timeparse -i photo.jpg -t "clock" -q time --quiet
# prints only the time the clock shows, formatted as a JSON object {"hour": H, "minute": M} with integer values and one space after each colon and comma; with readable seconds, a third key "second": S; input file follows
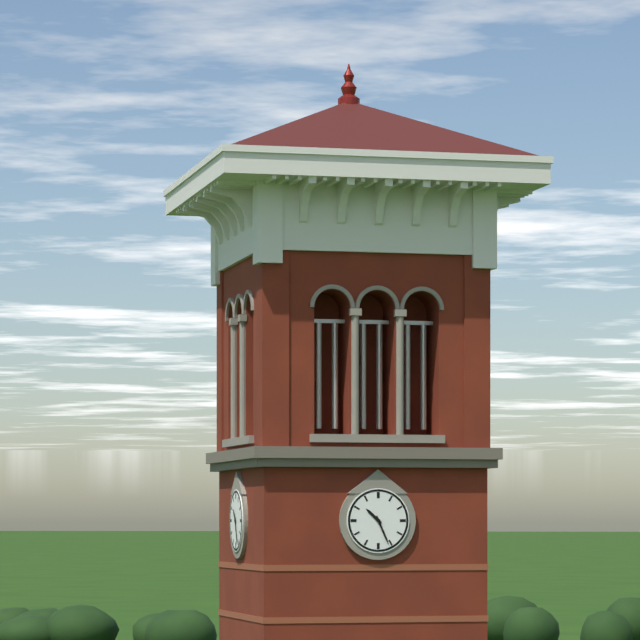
{"hour": 10, "minute": 26}
